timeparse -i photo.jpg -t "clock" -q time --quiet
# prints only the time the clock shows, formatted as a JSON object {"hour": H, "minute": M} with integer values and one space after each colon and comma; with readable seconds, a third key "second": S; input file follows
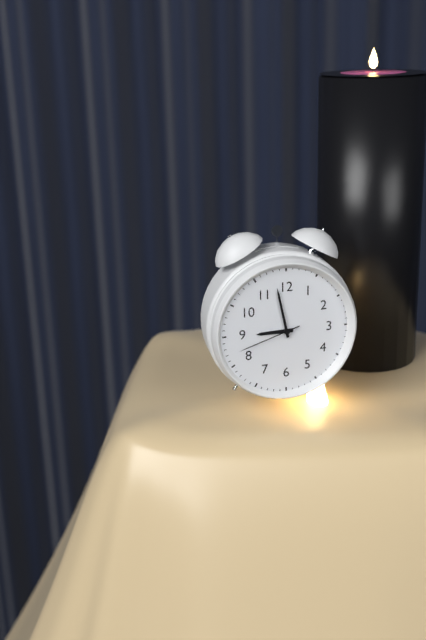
{"hour": 8, "minute": 58, "second": 42}
